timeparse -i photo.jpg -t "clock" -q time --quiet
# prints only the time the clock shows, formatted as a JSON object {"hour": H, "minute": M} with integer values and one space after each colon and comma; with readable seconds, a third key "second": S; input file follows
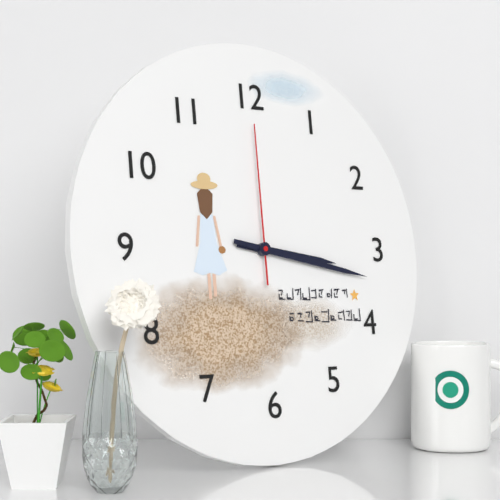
{"hour": 3, "minute": 17, "second": 0}
